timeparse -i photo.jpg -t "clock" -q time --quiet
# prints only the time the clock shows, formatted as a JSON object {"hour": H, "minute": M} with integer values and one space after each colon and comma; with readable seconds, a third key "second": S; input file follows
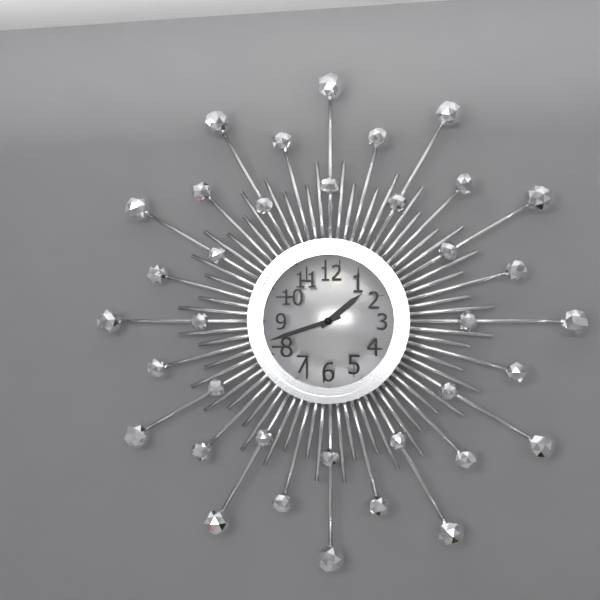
{"hour": 1, "minute": 42}
